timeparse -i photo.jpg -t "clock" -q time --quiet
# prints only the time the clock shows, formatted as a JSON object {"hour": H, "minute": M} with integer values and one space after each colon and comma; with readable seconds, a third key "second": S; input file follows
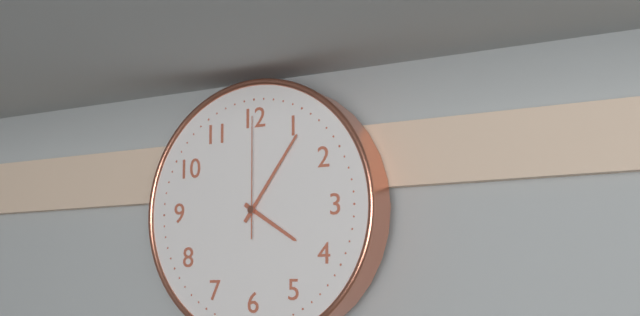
{"hour": 4, "minute": 6, "second": 0}
